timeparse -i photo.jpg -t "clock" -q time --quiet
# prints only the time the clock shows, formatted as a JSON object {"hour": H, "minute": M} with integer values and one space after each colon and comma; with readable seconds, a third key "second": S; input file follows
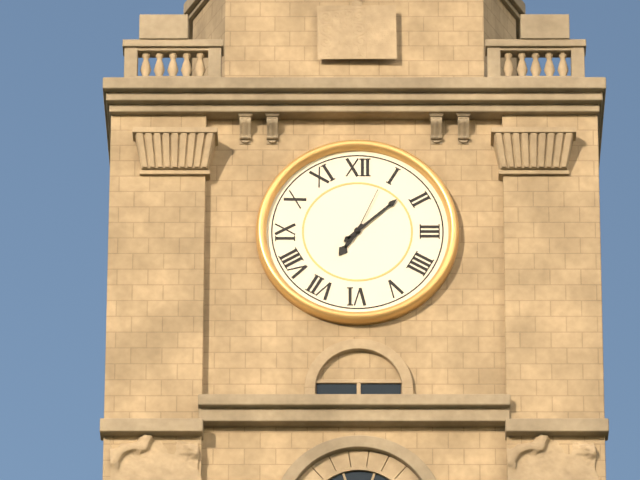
{"hour": 7, "minute": 8, "second": 4}
